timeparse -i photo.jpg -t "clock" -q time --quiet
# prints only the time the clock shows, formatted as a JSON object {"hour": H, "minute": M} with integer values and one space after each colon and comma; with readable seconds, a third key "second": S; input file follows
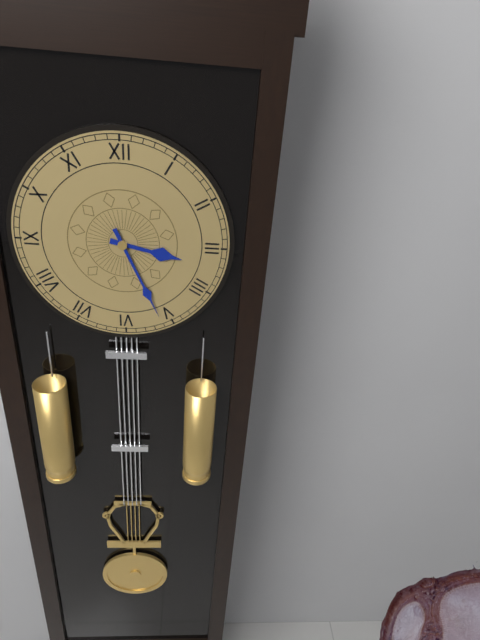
{"hour": 3, "minute": 26}
